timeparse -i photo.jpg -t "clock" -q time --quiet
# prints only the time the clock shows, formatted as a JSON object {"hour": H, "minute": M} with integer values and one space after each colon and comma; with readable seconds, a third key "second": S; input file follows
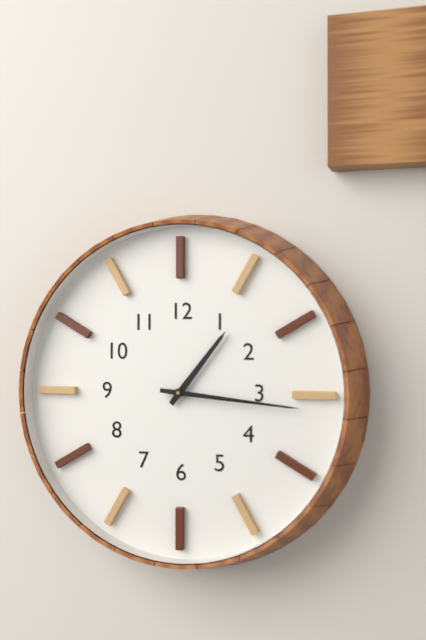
{"hour": 1, "minute": 16}
